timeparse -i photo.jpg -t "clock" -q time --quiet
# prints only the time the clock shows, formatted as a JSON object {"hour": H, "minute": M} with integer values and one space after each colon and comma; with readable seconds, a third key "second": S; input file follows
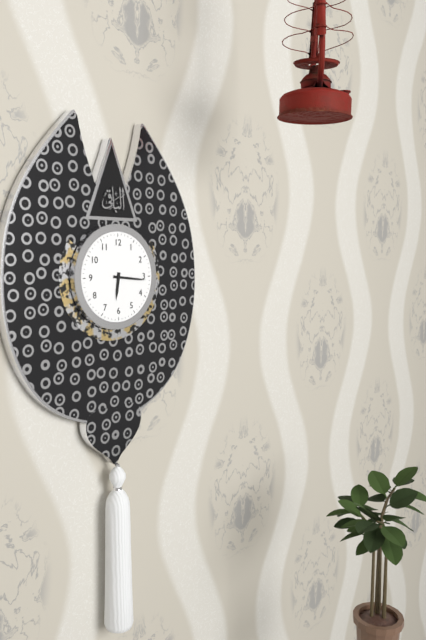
{"hour": 6, "minute": 16}
